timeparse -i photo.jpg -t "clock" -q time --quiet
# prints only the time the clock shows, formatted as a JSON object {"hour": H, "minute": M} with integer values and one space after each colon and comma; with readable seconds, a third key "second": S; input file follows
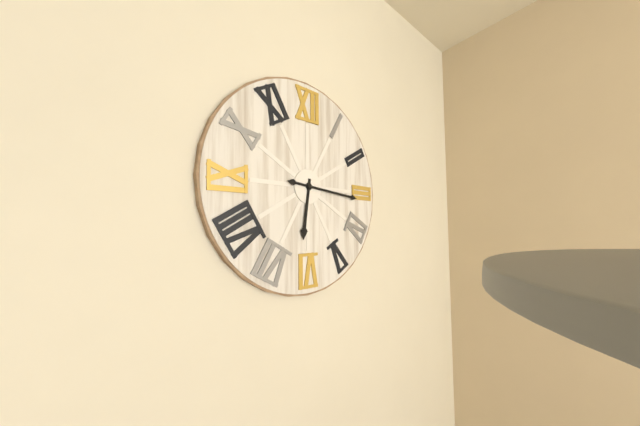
{"hour": 6, "minute": 16}
